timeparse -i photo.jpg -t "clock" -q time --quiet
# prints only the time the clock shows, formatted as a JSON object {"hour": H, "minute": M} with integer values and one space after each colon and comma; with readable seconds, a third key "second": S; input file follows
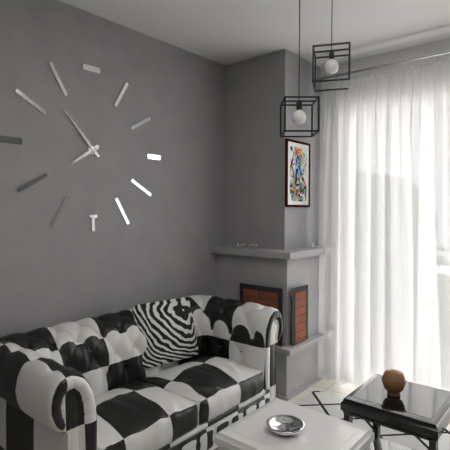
{"hour": 7, "minute": 53}
